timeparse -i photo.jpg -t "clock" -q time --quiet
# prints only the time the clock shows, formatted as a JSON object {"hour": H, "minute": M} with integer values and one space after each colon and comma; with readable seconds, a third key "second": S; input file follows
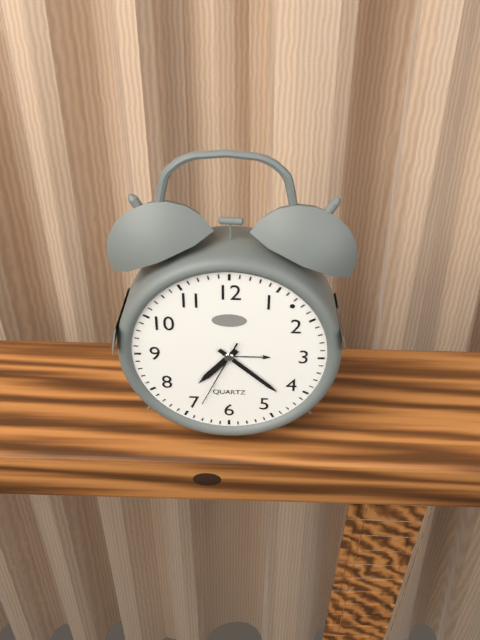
{"hour": 7, "minute": 22, "second": 34}
